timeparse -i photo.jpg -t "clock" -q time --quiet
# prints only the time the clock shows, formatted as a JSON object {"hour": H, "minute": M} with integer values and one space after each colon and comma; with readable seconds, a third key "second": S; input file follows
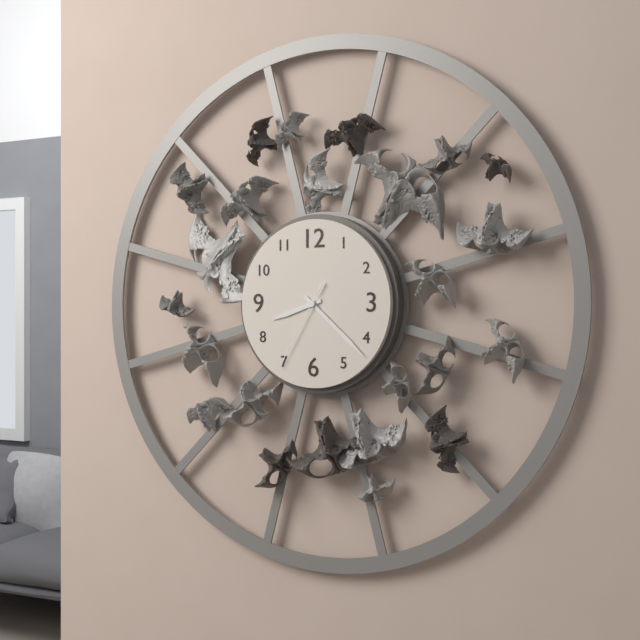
{"hour": 8, "minute": 22, "second": 35}
